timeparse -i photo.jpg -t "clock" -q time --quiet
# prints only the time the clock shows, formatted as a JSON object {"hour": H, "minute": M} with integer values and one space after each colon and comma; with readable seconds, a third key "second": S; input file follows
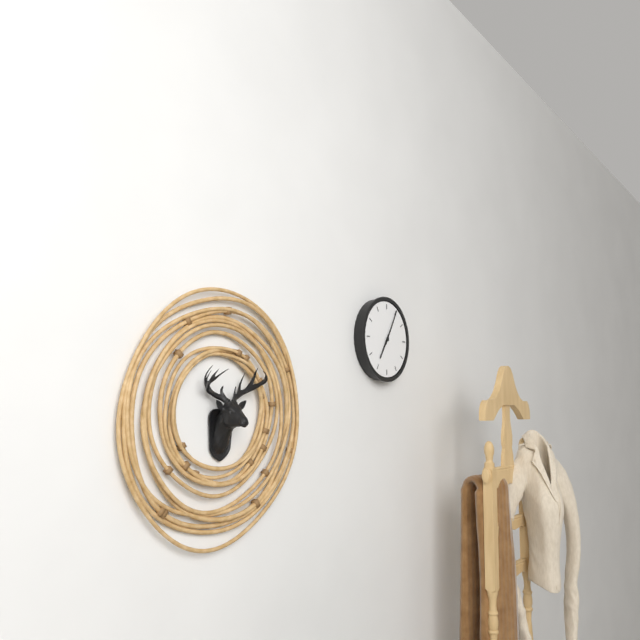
{"hour": 7, "minute": 5}
